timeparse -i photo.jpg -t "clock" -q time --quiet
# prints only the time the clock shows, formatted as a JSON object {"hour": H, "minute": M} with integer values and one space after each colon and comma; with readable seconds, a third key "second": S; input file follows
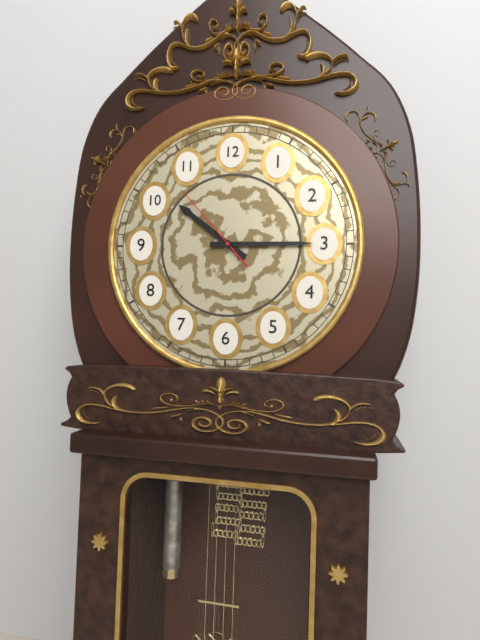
{"hour": 10, "minute": 15, "second": 53}
